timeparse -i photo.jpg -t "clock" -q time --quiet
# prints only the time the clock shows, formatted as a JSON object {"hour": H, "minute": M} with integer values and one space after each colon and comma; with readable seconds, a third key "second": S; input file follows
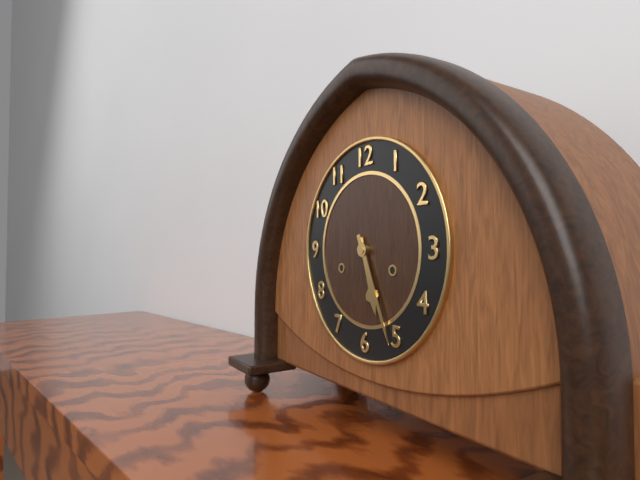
{"hour": 5, "minute": 26}
